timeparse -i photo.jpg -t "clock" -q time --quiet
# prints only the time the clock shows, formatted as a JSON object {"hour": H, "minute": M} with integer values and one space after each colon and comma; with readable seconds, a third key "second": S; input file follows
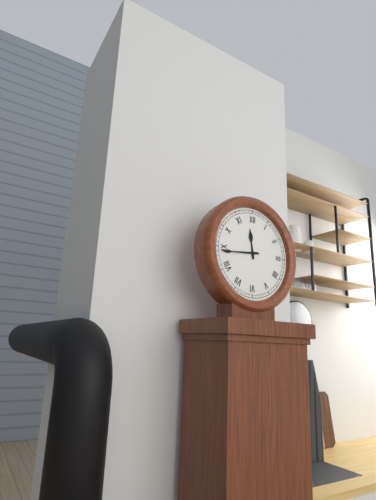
{"hour": 11, "minute": 44}
